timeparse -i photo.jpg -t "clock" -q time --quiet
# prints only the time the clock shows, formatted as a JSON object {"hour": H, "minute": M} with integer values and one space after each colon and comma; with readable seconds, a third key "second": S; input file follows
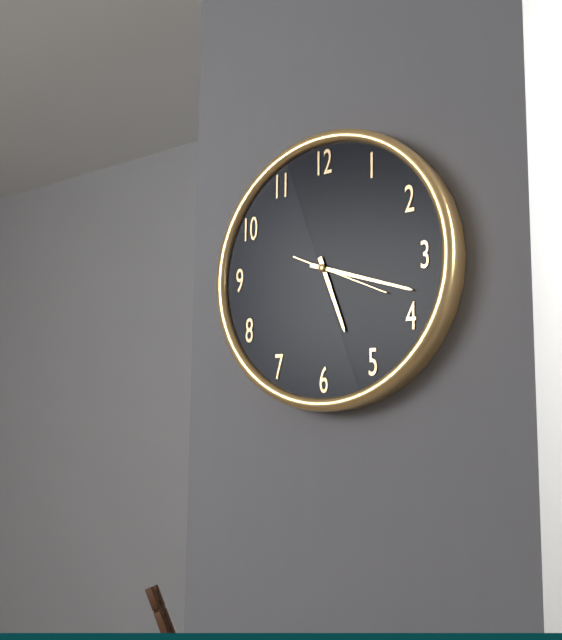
{"hour": 5, "minute": 18, "second": 19}
